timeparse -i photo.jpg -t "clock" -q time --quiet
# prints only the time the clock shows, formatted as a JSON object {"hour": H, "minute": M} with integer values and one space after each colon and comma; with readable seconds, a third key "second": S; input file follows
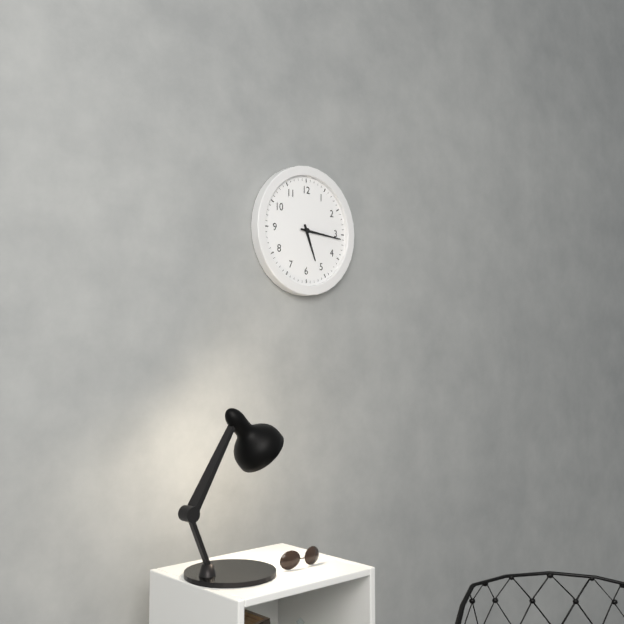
{"hour": 5, "minute": 16}
